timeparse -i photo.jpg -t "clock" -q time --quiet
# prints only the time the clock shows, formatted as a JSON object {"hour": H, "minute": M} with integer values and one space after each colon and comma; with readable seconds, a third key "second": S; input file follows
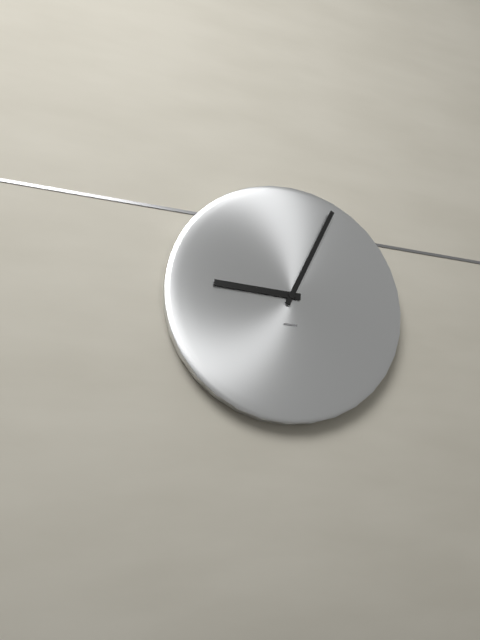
{"hour": 9, "minute": 4}
